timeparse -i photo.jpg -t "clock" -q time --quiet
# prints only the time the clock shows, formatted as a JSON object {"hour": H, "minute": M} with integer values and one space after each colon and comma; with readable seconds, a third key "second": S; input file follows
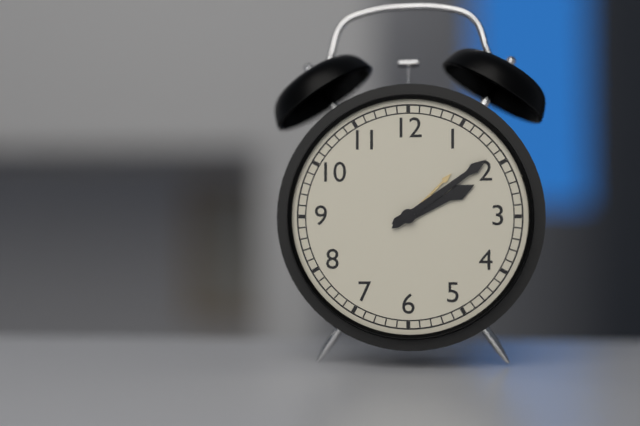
{"hour": 2, "minute": 9}
